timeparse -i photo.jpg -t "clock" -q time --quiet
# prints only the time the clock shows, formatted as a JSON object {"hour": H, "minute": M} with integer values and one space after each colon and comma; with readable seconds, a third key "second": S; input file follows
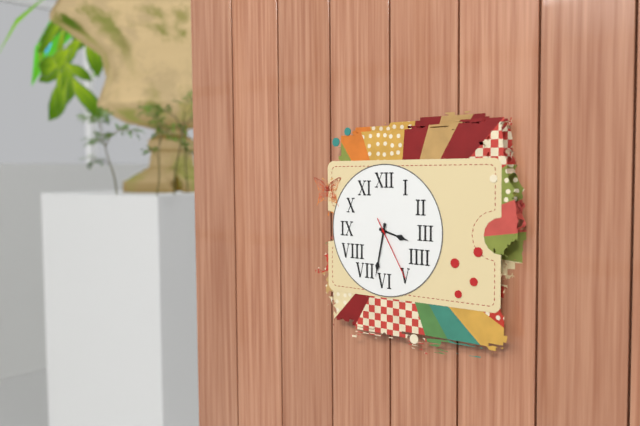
{"hour": 3, "minute": 32, "second": 25}
